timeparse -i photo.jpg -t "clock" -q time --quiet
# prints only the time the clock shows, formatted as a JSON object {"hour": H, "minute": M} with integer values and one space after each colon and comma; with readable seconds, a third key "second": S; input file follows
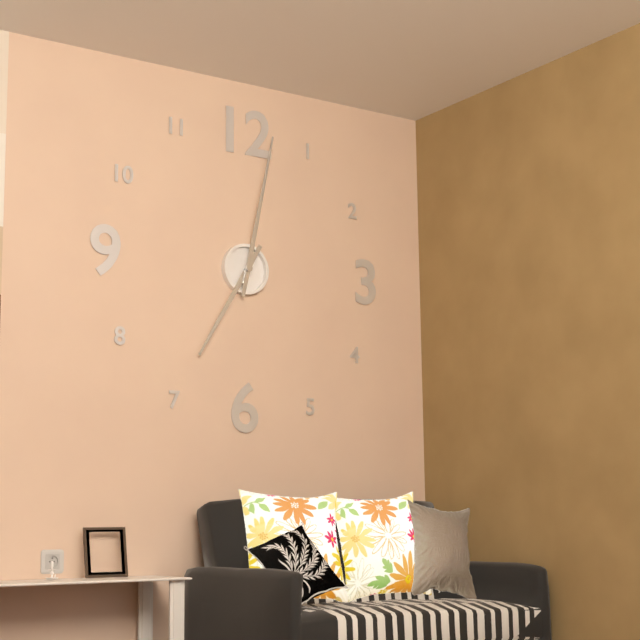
{"hour": 7, "minute": 2}
